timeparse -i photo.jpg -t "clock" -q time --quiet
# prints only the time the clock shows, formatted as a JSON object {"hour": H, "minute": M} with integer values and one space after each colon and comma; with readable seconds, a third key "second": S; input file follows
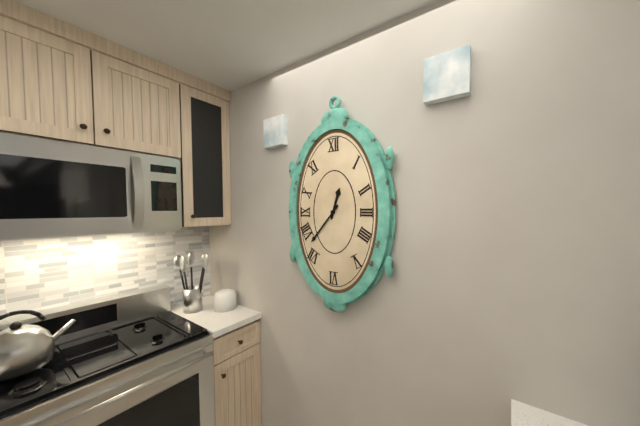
{"hour": 12, "minute": 37}
